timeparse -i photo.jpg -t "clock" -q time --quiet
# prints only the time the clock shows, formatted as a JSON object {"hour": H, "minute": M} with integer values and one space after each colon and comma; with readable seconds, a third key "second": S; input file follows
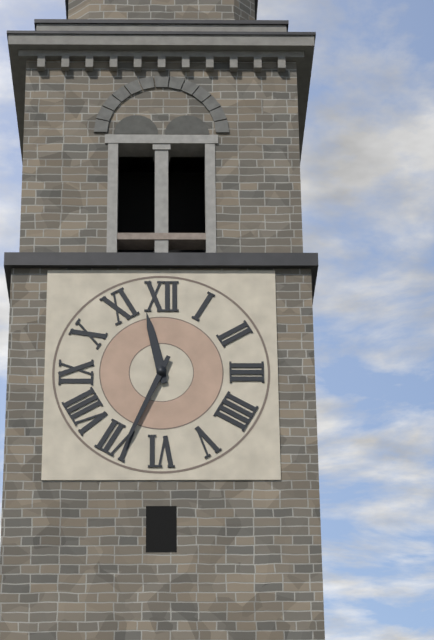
{"hour": 11, "minute": 34}
